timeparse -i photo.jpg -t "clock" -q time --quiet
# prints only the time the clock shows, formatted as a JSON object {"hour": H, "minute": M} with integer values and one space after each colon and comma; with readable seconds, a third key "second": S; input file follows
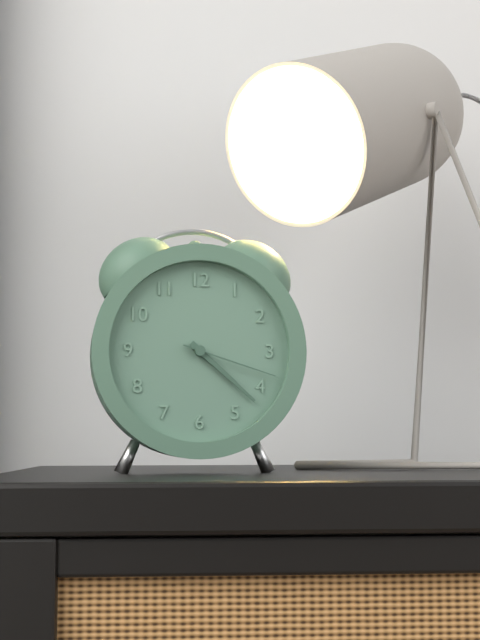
{"hour": 4, "minute": 22, "second": 18}
